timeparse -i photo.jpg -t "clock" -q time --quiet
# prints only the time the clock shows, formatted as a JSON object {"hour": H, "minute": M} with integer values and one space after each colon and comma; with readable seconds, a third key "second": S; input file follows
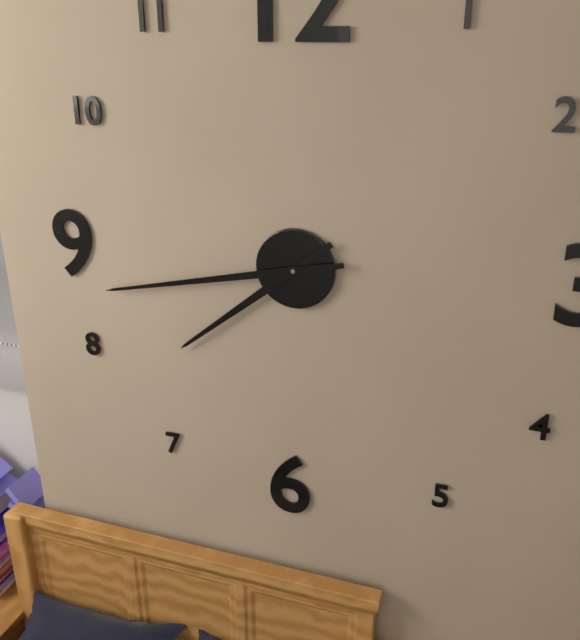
{"hour": 7, "minute": 43}
